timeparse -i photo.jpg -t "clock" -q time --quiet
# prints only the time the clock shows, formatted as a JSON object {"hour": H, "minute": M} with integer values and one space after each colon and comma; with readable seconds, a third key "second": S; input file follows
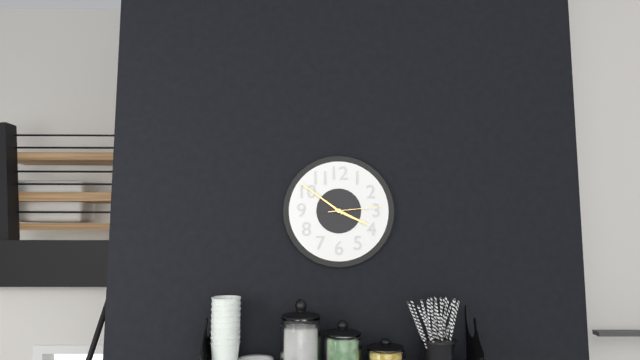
{"hour": 3, "minute": 51, "second": 14}
